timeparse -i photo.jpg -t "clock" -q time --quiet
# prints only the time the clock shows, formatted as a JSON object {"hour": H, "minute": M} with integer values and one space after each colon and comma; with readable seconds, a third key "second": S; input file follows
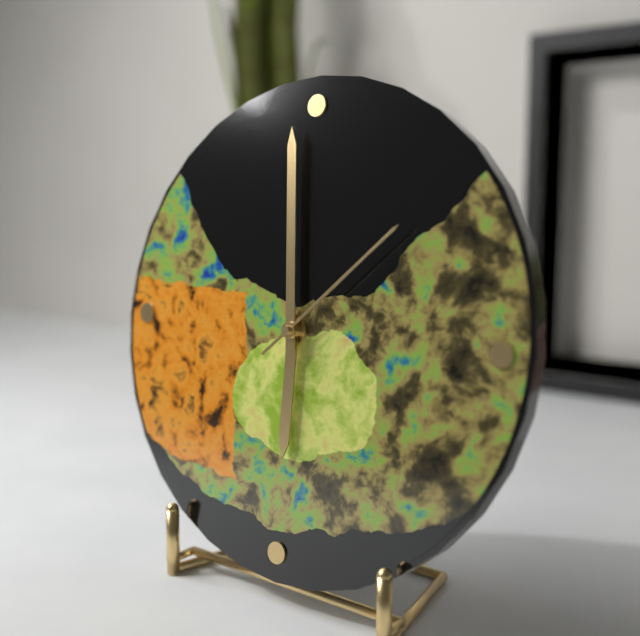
{"hour": 5, "minute": 59, "second": 8}
